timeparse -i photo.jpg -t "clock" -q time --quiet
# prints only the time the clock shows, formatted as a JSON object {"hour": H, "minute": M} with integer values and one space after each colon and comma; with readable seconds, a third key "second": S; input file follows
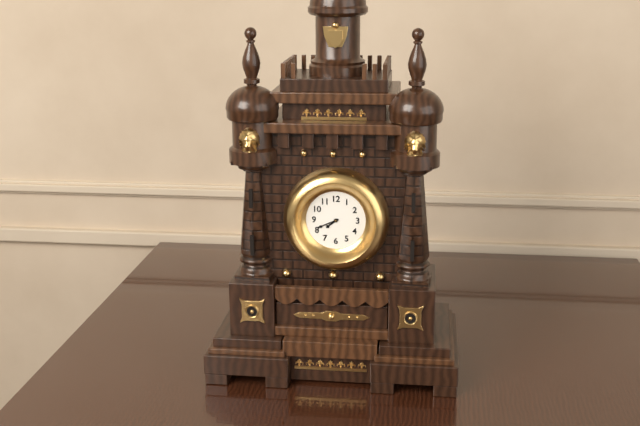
{"hour": 7, "minute": 41}
